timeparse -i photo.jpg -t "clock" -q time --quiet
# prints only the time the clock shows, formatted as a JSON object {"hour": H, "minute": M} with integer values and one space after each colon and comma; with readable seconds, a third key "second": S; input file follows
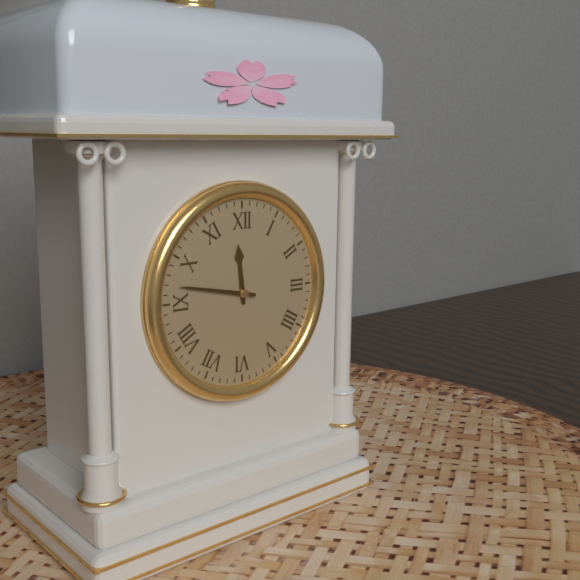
{"hour": 11, "minute": 47}
